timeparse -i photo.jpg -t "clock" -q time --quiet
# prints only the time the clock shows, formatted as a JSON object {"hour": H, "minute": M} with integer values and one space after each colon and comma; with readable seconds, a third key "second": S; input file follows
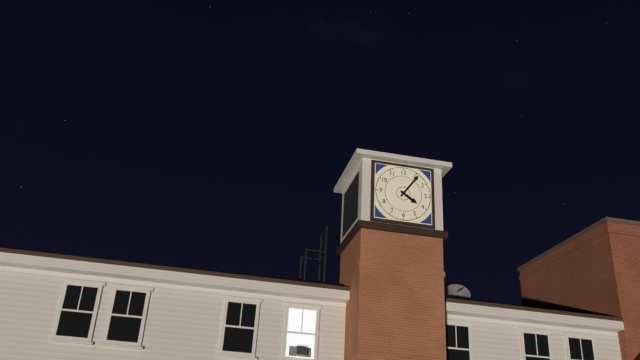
{"hour": 4, "minute": 6}
